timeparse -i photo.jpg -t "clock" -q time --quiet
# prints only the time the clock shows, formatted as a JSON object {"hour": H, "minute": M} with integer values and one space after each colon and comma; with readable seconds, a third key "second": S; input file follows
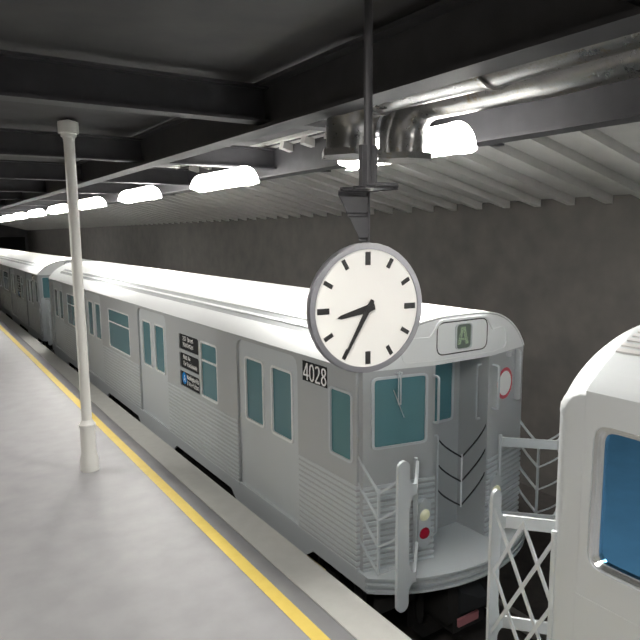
{"hour": 8, "minute": 35}
